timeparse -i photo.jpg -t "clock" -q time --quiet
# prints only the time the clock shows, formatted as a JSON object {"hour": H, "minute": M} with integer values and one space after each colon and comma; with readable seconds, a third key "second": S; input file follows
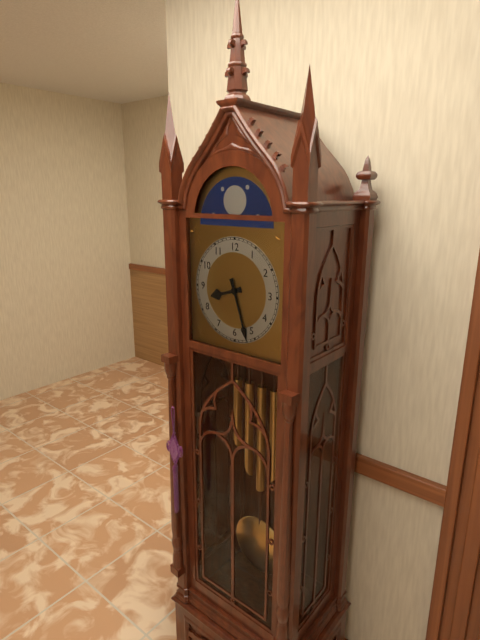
{"hour": 8, "minute": 27}
